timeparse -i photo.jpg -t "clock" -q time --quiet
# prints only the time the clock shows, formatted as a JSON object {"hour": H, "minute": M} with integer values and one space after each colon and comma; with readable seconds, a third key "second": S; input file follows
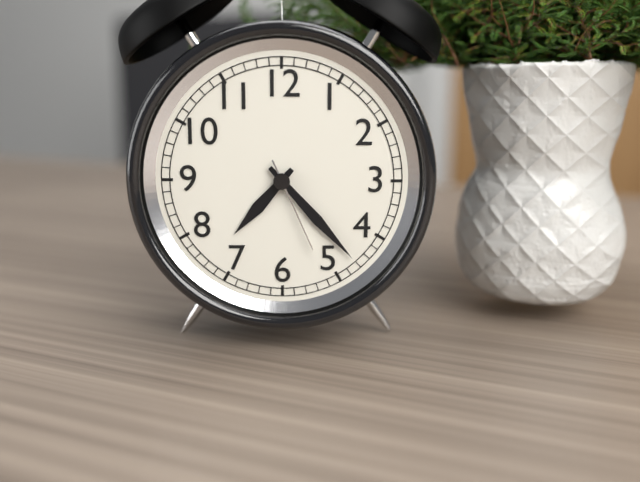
{"hour": 7, "minute": 23, "second": 26}
